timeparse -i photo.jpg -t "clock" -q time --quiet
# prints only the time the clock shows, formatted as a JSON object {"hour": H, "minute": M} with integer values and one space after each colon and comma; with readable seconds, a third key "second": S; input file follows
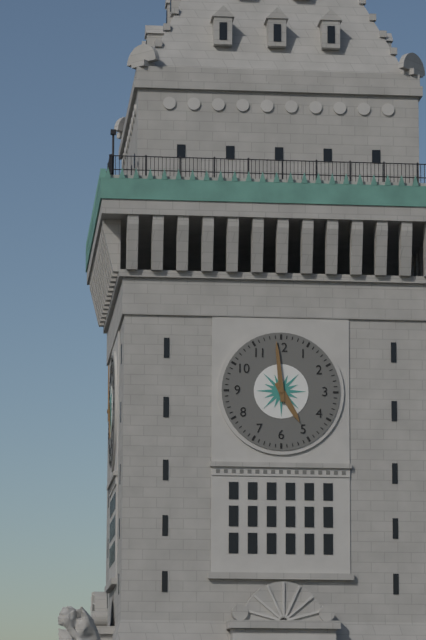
{"hour": 4, "minute": 59}
